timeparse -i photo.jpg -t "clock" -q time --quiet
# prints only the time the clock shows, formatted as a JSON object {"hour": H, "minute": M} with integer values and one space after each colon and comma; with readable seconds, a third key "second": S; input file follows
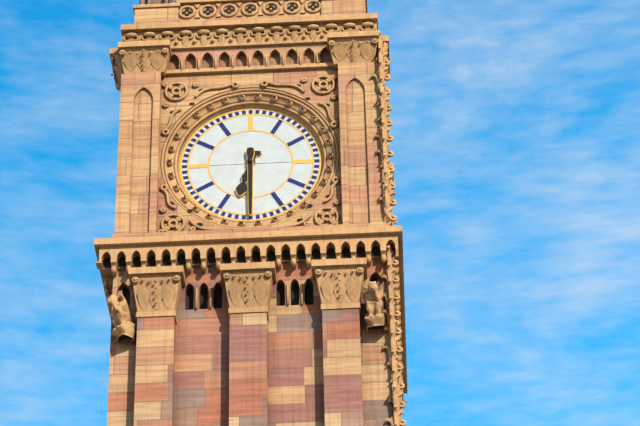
{"hour": 6, "minute": 30}
